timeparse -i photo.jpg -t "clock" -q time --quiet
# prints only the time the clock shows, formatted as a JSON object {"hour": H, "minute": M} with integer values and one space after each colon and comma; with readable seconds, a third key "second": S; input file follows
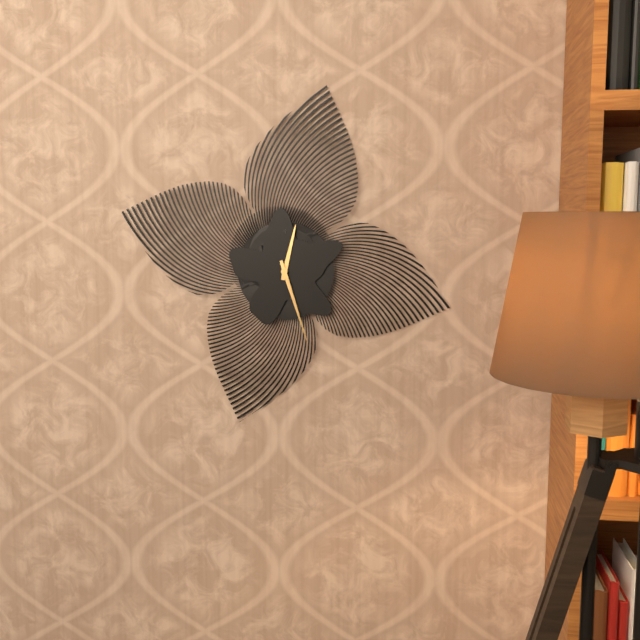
{"hour": 12, "minute": 27}
